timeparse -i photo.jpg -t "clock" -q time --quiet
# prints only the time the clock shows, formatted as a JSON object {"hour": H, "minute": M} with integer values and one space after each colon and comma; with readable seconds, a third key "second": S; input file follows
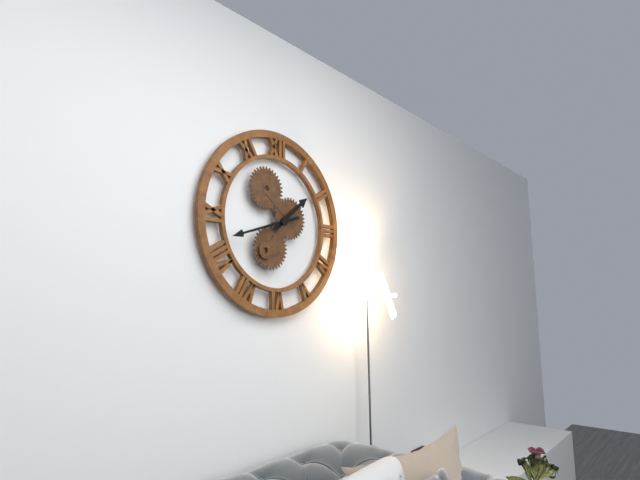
{"hour": 1, "minute": 42}
